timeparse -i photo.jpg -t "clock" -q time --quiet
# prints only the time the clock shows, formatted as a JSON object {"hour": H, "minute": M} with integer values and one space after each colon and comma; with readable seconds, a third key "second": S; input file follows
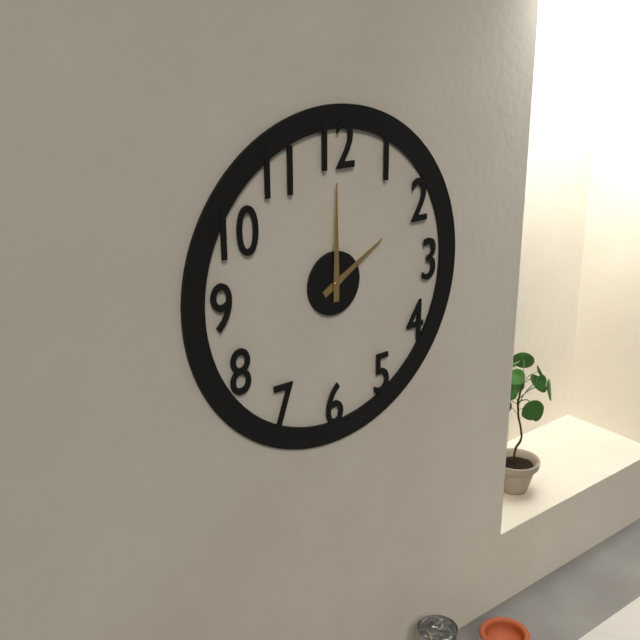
{"hour": 2, "minute": 0}
